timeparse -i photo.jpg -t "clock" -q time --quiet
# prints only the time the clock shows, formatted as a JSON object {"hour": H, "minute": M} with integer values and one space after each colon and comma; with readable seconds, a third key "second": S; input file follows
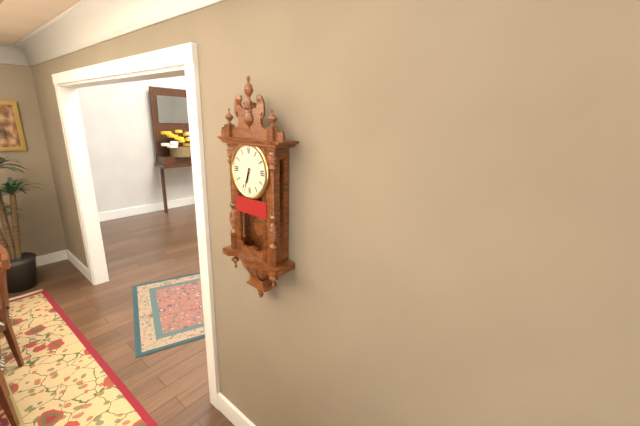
{"hour": 6, "minute": 33}
